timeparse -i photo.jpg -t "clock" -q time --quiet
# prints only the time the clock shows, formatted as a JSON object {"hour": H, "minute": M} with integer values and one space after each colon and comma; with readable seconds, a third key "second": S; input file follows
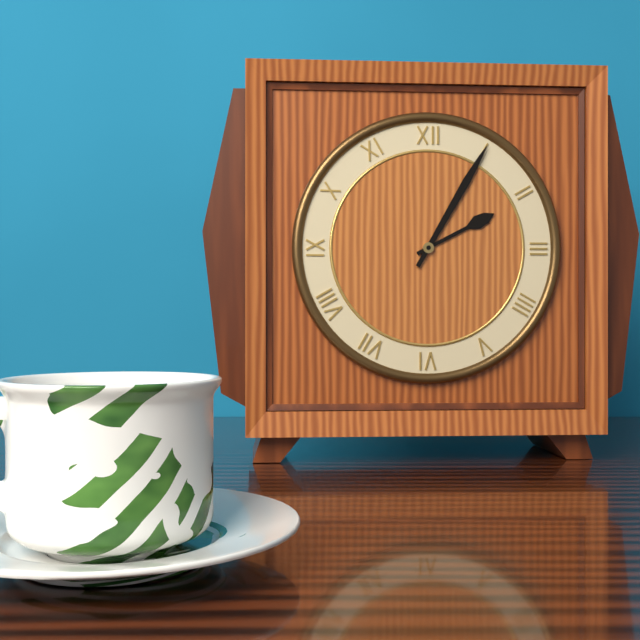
{"hour": 2, "minute": 5}
